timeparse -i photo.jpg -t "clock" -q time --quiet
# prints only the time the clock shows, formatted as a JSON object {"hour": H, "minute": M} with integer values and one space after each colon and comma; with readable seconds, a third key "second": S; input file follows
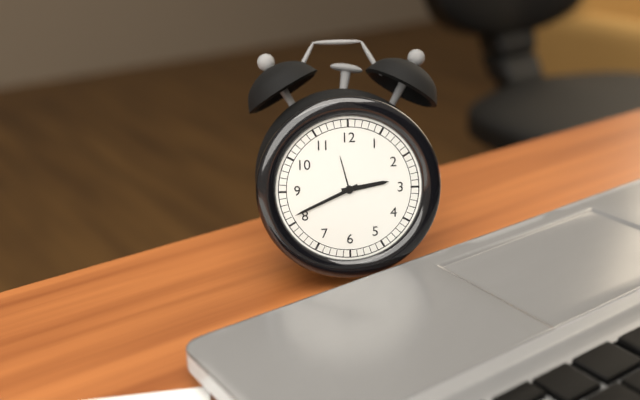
{"hour": 2, "minute": 41}
